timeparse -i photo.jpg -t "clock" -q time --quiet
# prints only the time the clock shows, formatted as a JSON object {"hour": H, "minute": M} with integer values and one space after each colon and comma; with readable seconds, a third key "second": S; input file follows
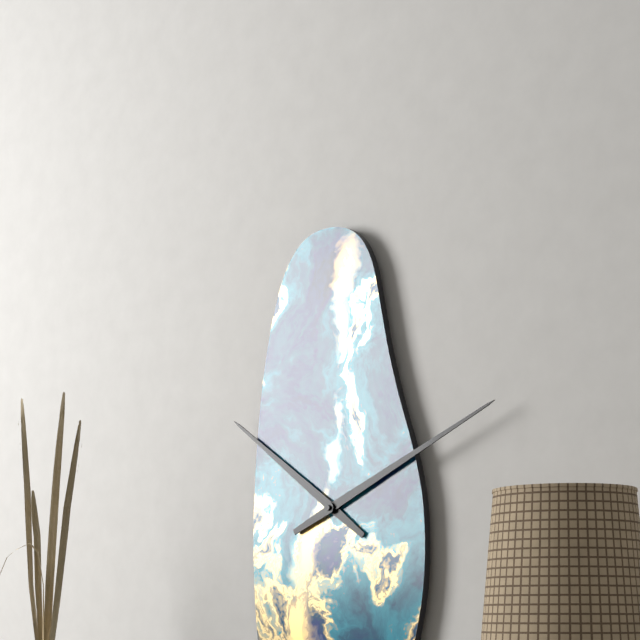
{"hour": 10, "minute": 11}
